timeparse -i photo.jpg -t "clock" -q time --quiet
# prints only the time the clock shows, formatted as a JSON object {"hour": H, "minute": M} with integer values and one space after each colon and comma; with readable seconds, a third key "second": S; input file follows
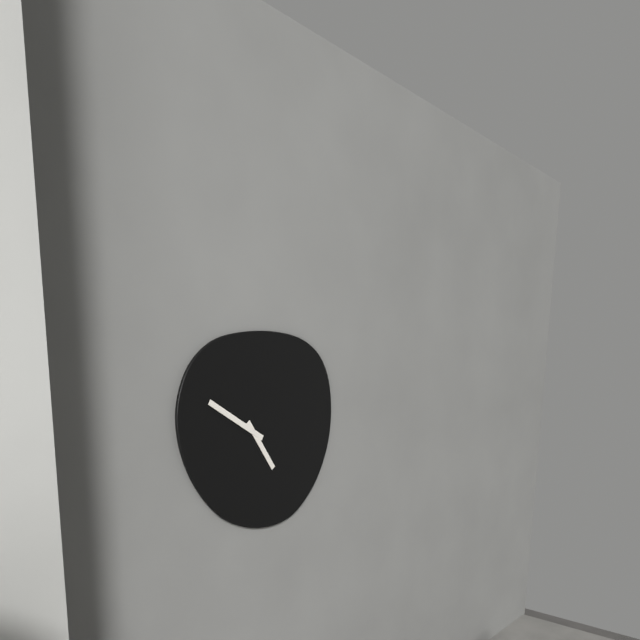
{"hour": 4, "minute": 50}
